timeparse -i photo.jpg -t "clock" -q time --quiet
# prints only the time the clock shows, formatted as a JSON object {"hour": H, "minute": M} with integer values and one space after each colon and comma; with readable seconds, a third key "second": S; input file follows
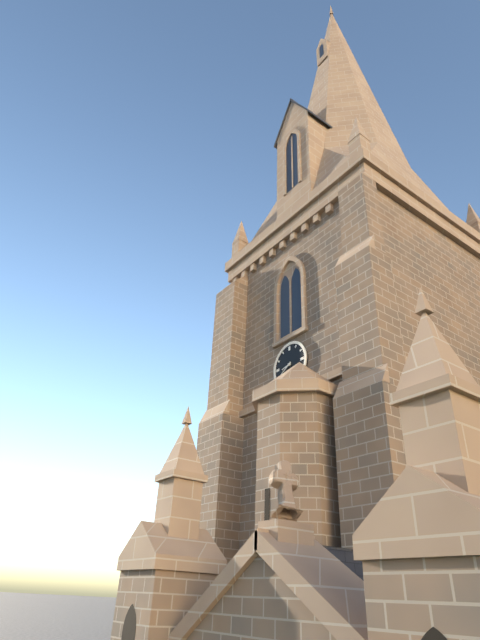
{"hour": 8, "minute": 40}
